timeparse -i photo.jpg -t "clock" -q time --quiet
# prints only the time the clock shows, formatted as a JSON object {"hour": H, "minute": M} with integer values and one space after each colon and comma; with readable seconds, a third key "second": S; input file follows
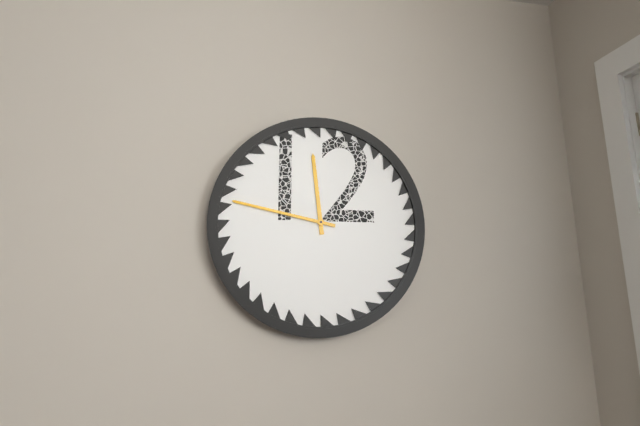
{"hour": 11, "minute": 47}
